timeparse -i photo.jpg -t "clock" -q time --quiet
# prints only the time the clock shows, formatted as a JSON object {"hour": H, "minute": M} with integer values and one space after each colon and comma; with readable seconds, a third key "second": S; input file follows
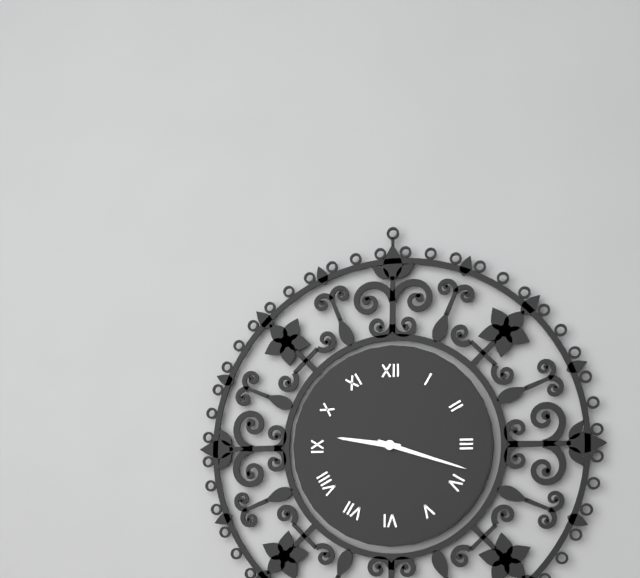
{"hour": 9, "minute": 18}
